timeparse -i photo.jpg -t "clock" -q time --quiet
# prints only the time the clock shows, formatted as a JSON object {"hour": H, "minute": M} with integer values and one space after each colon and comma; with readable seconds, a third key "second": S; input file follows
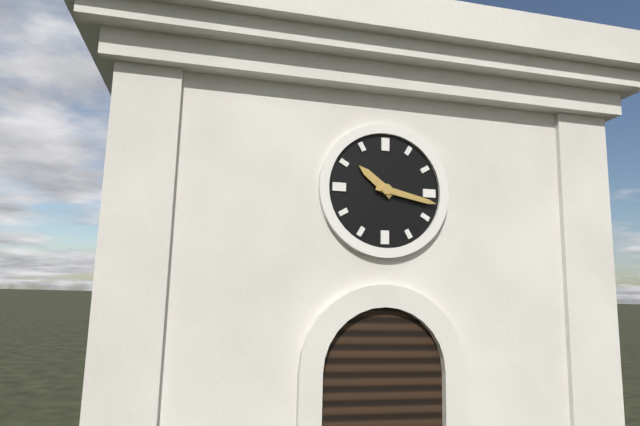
{"hour": 10, "minute": 17}
